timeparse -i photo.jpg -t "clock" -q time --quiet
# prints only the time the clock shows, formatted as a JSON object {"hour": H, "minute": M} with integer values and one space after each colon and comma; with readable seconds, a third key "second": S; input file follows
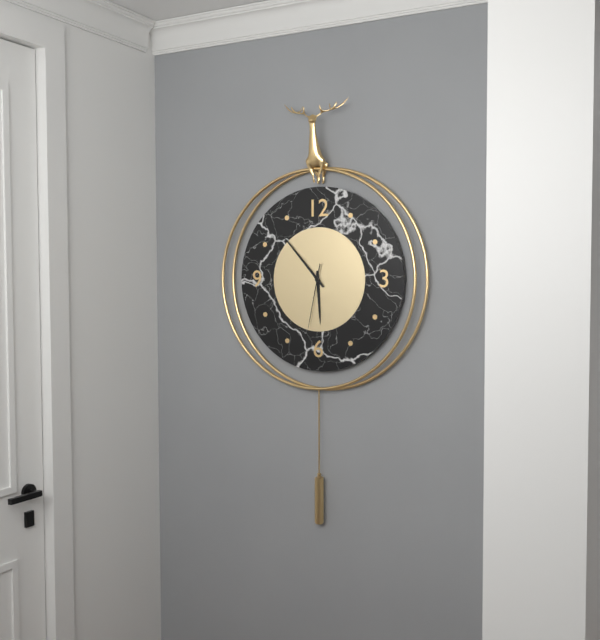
{"hour": 5, "minute": 53, "second": 32}
